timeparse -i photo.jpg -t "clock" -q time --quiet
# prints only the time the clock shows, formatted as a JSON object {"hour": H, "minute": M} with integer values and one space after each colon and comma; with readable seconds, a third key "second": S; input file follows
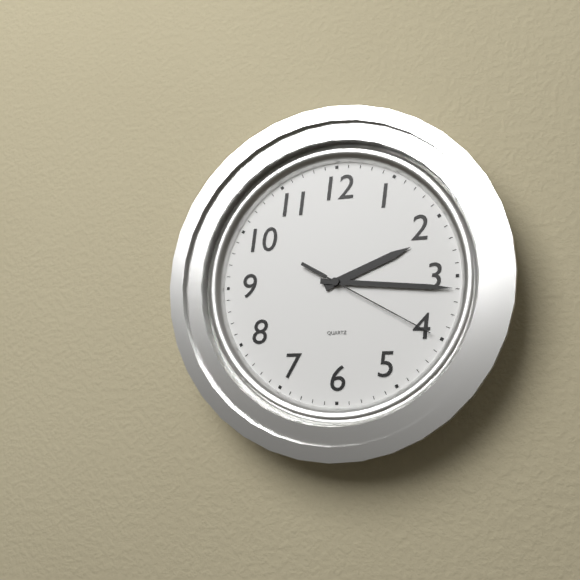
{"hour": 2, "minute": 16, "second": 20}
